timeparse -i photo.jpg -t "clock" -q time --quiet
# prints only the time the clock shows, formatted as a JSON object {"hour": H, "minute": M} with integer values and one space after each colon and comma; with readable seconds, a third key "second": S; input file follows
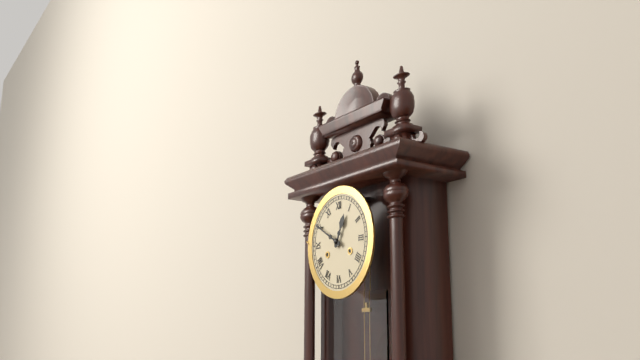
{"hour": 12, "minute": 50}
